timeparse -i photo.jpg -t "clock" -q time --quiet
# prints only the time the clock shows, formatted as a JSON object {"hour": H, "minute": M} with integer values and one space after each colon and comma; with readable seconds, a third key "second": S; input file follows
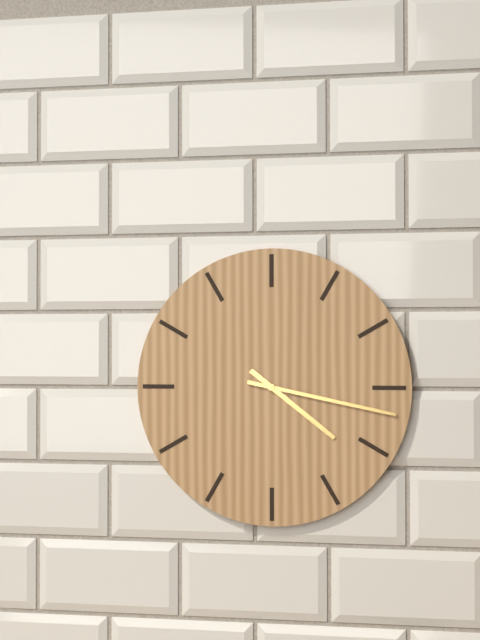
{"hour": 4, "minute": 17}
